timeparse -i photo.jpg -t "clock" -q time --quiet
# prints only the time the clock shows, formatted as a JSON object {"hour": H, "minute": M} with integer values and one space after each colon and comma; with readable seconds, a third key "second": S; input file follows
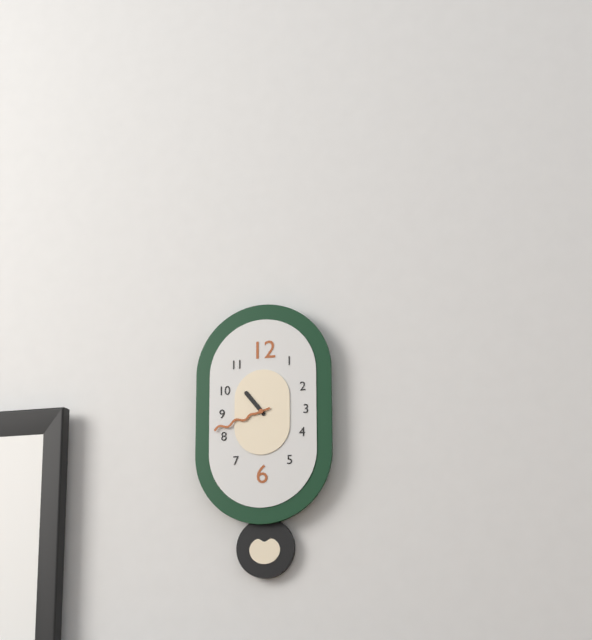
{"hour": 10, "minute": 42}
